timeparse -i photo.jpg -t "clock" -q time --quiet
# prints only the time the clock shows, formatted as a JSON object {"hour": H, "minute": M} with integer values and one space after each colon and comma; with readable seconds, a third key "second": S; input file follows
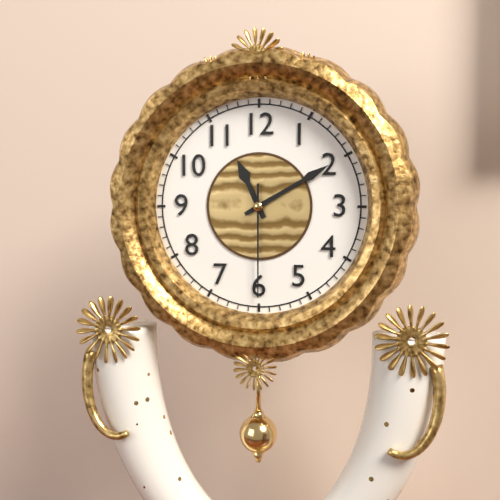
{"hour": 11, "minute": 10, "second": 30}
